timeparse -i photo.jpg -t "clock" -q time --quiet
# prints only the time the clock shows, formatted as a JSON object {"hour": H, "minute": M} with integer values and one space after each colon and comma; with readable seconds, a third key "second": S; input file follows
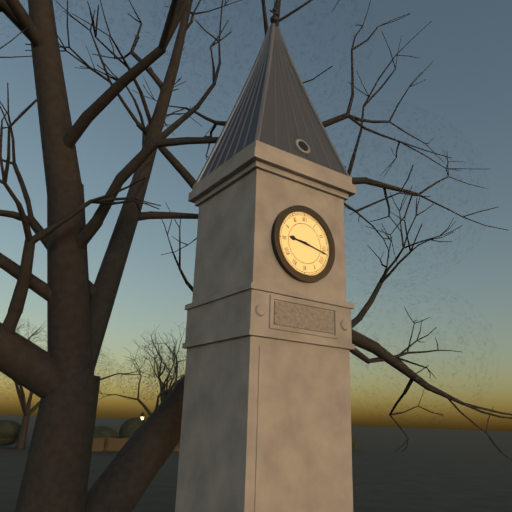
{"hour": 9, "minute": 17}
